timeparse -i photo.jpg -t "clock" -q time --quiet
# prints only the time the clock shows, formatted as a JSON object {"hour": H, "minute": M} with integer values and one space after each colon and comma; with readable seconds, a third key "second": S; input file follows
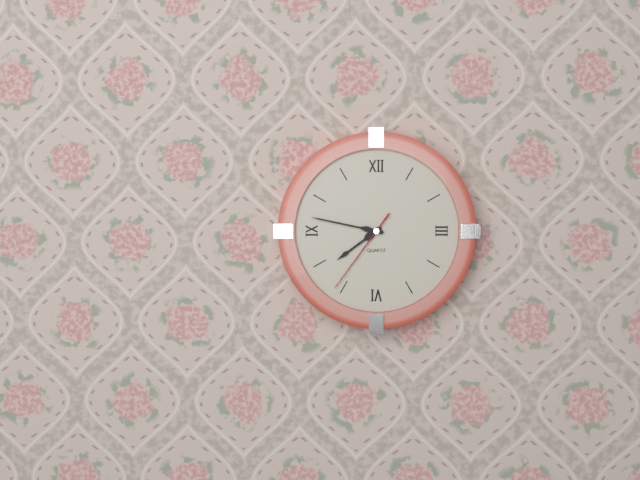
{"hour": 7, "minute": 47, "second": 36}
